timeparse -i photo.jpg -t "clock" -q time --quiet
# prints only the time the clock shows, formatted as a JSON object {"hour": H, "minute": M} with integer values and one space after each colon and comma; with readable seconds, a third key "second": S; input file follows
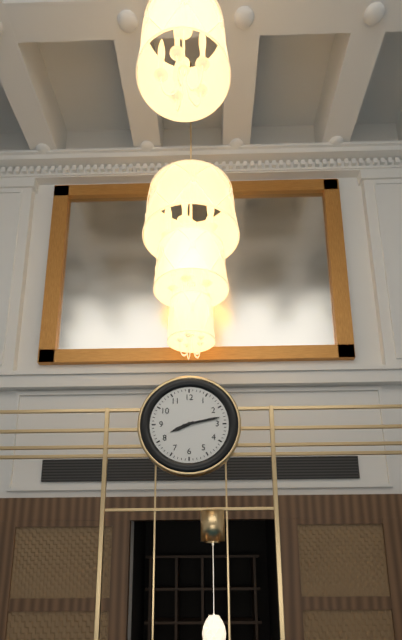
{"hour": 8, "minute": 13}
